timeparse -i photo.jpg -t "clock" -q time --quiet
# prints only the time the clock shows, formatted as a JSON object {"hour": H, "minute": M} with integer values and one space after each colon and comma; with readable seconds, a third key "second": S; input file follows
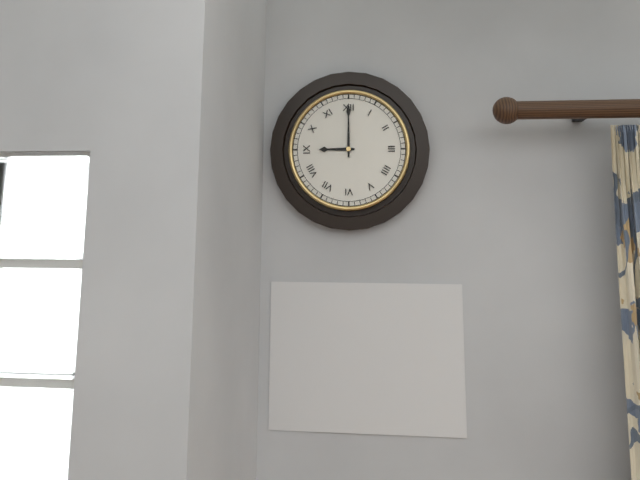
{"hour": 9, "minute": 0}
